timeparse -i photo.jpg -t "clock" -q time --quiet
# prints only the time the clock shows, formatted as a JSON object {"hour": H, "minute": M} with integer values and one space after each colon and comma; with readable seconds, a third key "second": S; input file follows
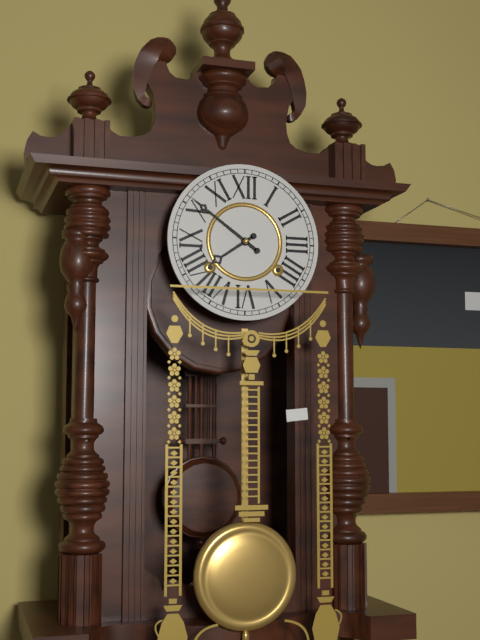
{"hour": 7, "minute": 51}
